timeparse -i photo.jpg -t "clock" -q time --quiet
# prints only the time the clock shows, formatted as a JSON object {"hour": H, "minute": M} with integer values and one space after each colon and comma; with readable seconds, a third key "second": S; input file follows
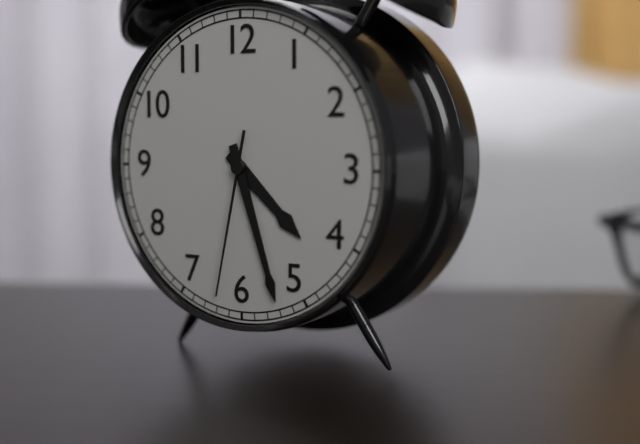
{"hour": 4, "minute": 27, "second": 32}
